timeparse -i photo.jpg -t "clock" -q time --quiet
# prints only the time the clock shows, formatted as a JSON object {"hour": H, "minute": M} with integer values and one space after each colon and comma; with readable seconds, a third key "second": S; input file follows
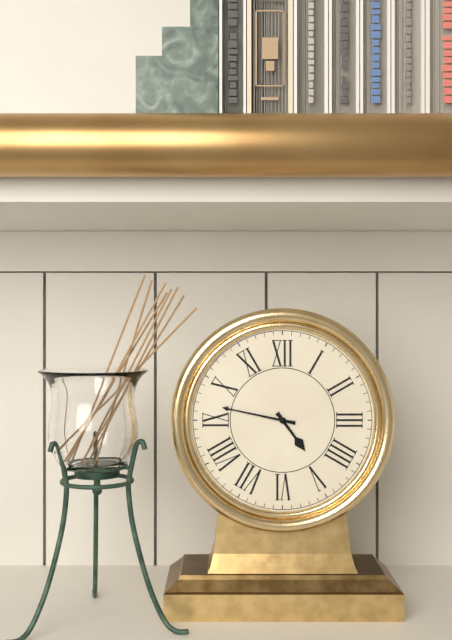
{"hour": 4, "minute": 47}
